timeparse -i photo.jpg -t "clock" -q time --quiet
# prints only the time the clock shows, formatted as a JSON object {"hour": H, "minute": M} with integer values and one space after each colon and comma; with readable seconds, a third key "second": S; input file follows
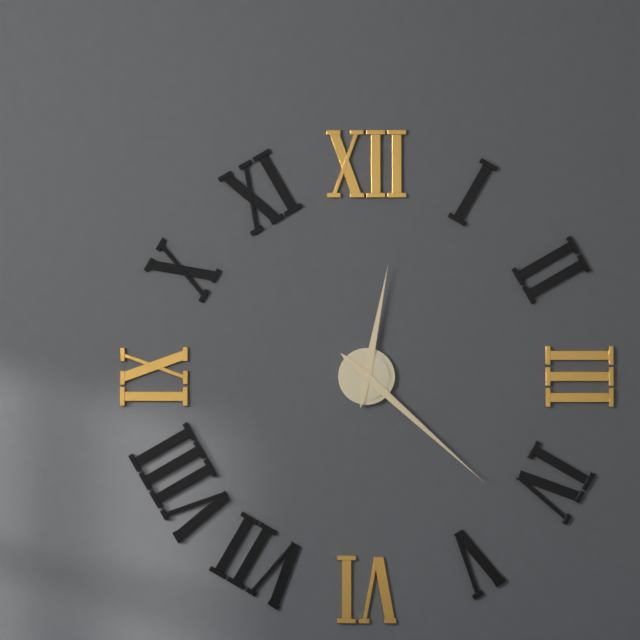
{"hour": 12, "minute": 22}
